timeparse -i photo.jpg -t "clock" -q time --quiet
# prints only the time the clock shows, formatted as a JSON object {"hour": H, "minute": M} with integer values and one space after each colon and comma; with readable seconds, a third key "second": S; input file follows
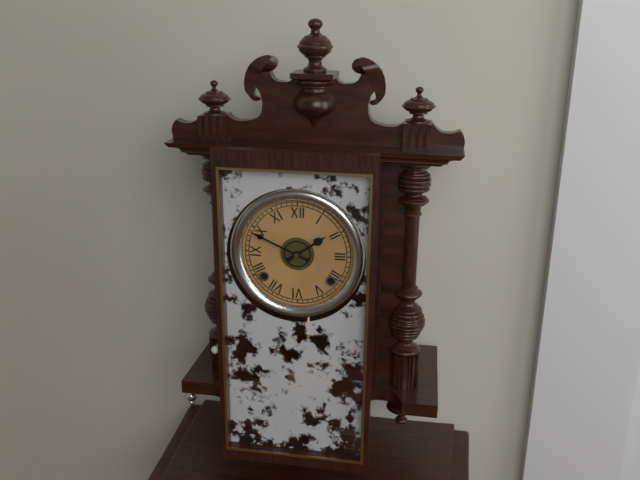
{"hour": 1, "minute": 49}
